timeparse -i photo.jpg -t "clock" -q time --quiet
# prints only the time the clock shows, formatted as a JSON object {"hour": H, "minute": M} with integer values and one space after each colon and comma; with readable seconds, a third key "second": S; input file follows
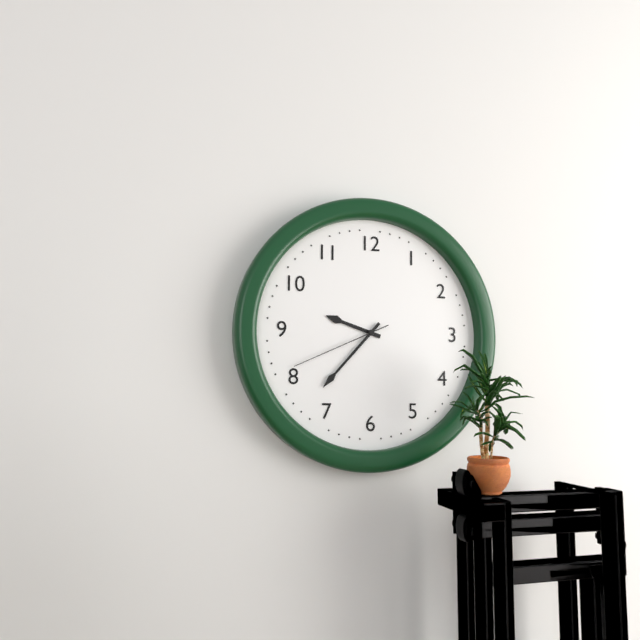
{"hour": 9, "minute": 37, "second": 41}
